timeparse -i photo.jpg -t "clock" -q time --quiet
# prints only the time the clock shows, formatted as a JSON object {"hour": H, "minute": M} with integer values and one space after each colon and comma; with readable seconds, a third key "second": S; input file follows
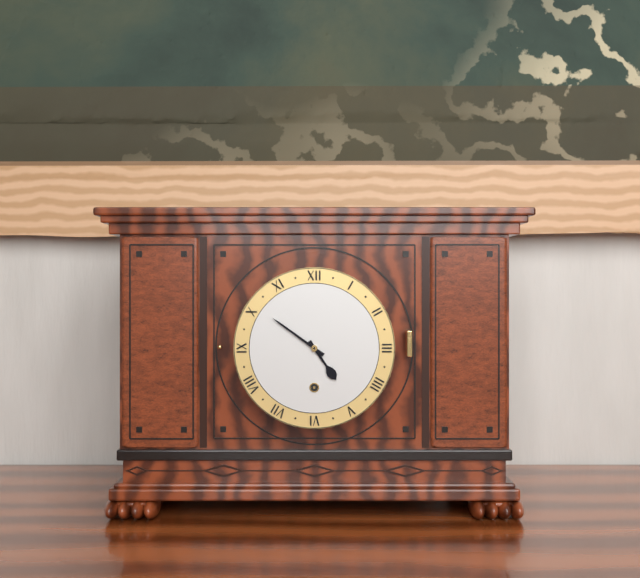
{"hour": 4, "minute": 51}
